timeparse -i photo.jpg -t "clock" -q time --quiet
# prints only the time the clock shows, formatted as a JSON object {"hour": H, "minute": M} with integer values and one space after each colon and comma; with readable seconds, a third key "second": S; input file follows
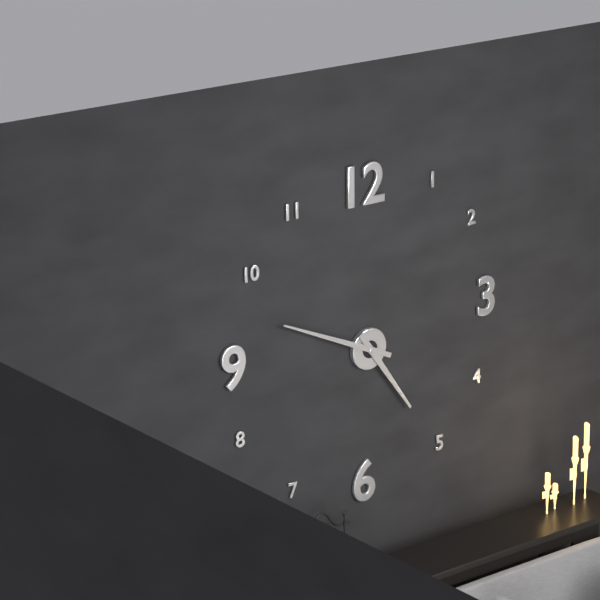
{"hour": 4, "minute": 49}
